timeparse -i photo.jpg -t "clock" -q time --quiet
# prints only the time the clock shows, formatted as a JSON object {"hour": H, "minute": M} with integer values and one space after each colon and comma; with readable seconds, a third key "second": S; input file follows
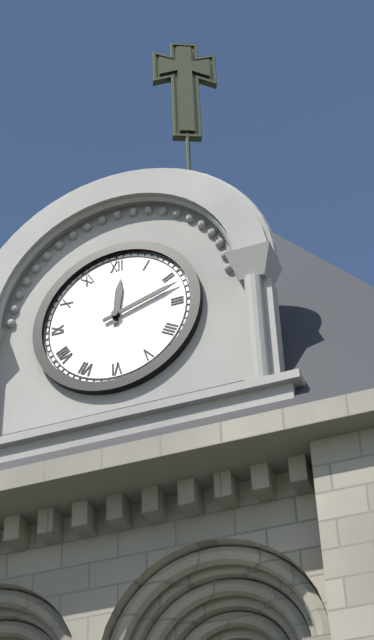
{"hour": 12, "minute": 12}
